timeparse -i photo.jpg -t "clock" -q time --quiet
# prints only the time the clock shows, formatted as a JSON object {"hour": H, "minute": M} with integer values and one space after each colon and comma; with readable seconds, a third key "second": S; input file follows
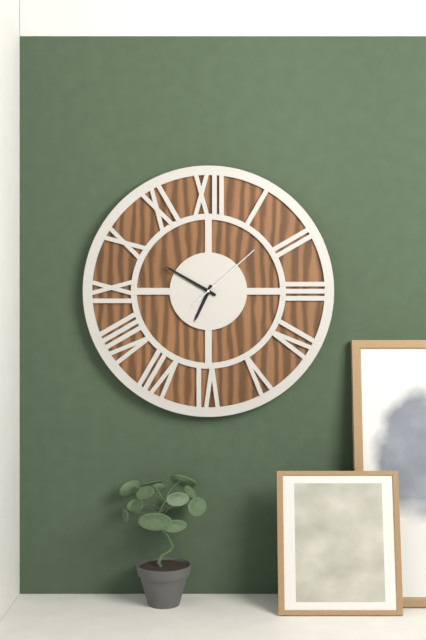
{"hour": 6, "minute": 50, "second": 8}
